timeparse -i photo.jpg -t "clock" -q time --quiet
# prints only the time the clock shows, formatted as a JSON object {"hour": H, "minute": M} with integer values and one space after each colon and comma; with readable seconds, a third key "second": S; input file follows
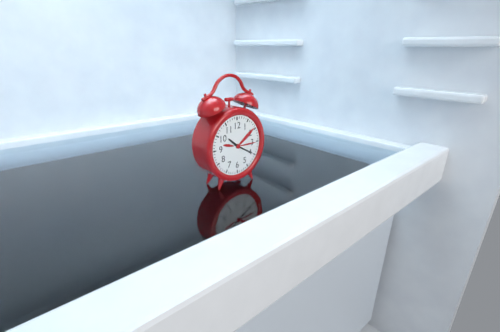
{"hour": 10, "minute": 20}
